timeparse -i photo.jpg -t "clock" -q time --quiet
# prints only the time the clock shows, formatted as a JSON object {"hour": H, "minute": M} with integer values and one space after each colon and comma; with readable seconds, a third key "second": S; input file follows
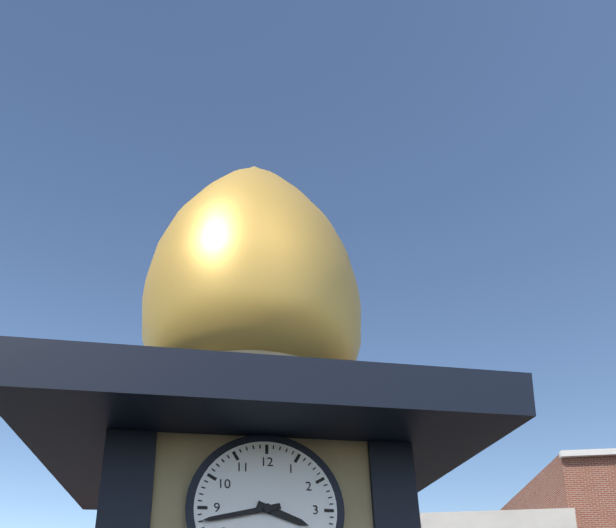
{"hour": 3, "minute": 43}
